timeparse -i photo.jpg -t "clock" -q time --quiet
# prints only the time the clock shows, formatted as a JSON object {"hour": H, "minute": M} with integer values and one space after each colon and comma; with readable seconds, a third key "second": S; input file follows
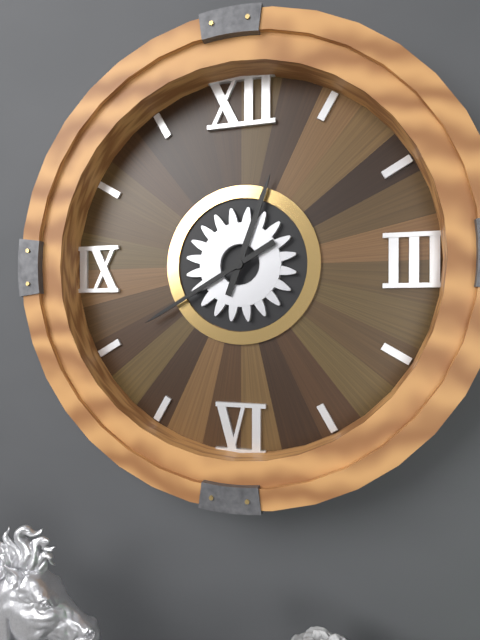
{"hour": 12, "minute": 40}
